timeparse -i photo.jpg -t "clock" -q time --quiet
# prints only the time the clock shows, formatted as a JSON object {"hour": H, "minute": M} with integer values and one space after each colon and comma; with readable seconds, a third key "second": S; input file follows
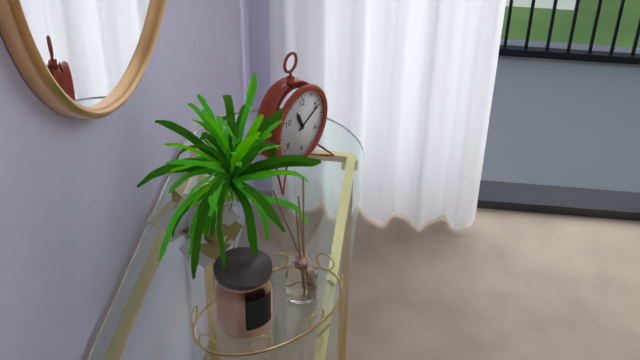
{"hour": 11, "minute": 11}
